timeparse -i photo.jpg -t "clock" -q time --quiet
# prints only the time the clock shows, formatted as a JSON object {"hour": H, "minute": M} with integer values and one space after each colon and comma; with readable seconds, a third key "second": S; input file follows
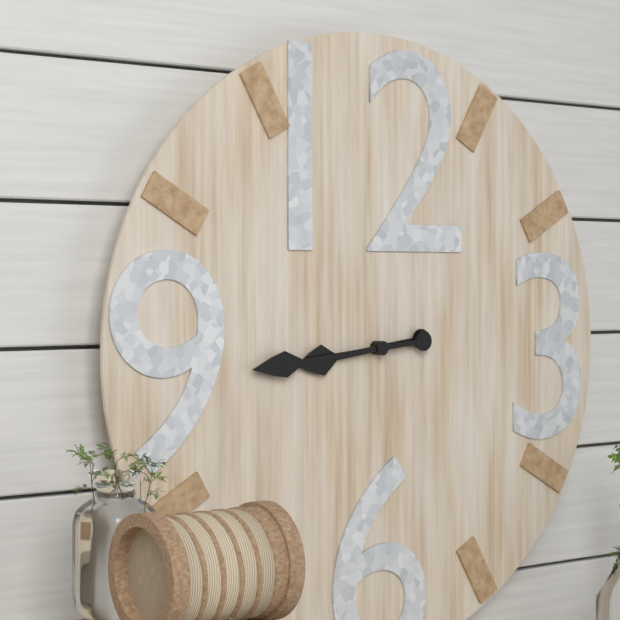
{"hour": 8, "minute": 44}
